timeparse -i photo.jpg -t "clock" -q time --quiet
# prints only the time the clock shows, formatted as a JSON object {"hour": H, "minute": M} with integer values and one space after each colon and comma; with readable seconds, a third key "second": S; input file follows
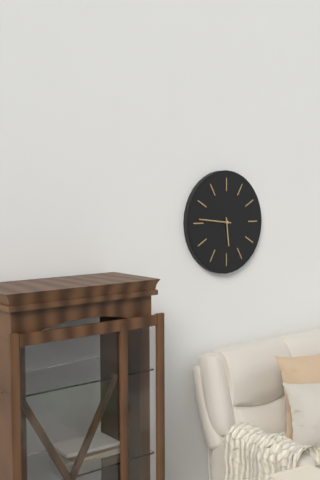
{"hour": 5, "minute": 46}
